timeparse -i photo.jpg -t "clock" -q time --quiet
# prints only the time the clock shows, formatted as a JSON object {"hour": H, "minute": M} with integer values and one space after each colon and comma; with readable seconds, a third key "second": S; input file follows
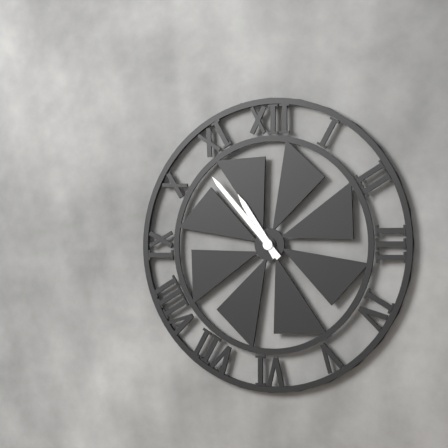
{"hour": 10, "minute": 53}
